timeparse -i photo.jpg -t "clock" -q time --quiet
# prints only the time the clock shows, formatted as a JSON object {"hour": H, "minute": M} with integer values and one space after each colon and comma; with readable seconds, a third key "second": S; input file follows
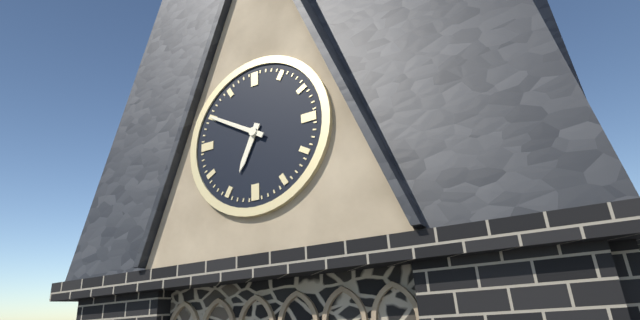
{"hour": 6, "minute": 50}
